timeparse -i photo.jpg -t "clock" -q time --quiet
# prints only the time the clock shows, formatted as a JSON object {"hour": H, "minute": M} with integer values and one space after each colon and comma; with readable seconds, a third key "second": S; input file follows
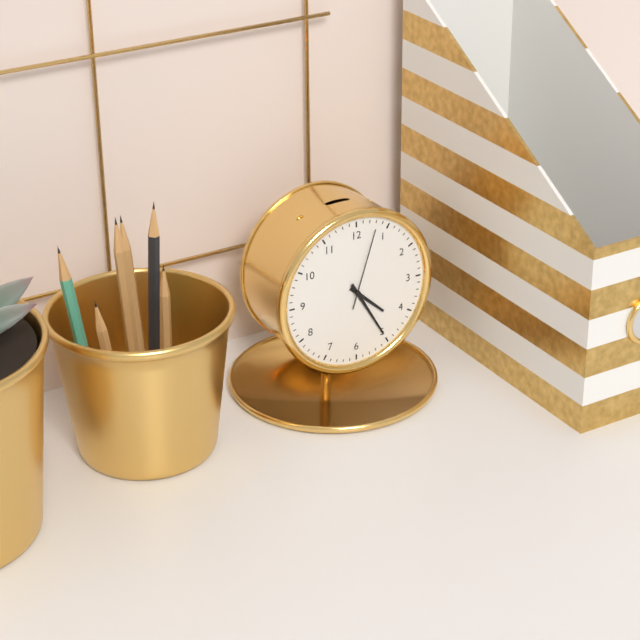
{"hour": 4, "minute": 25, "second": 3}
